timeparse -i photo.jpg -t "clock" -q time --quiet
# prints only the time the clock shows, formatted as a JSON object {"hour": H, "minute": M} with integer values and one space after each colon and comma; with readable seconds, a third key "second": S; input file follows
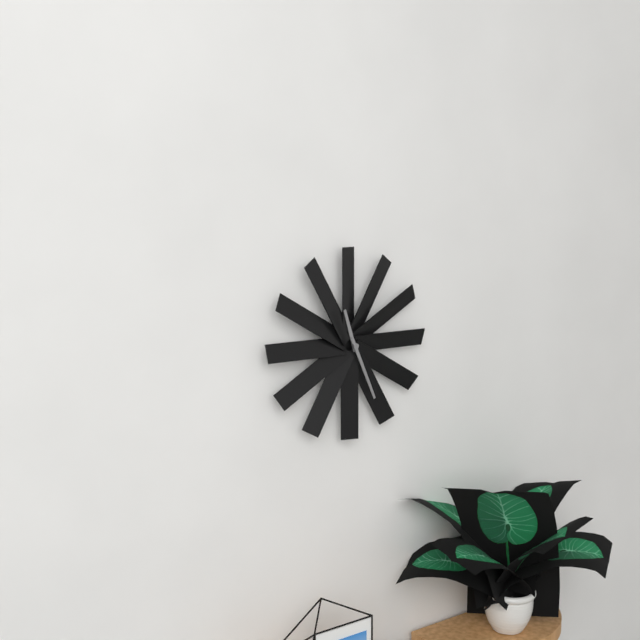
{"hour": 11, "minute": 26}
